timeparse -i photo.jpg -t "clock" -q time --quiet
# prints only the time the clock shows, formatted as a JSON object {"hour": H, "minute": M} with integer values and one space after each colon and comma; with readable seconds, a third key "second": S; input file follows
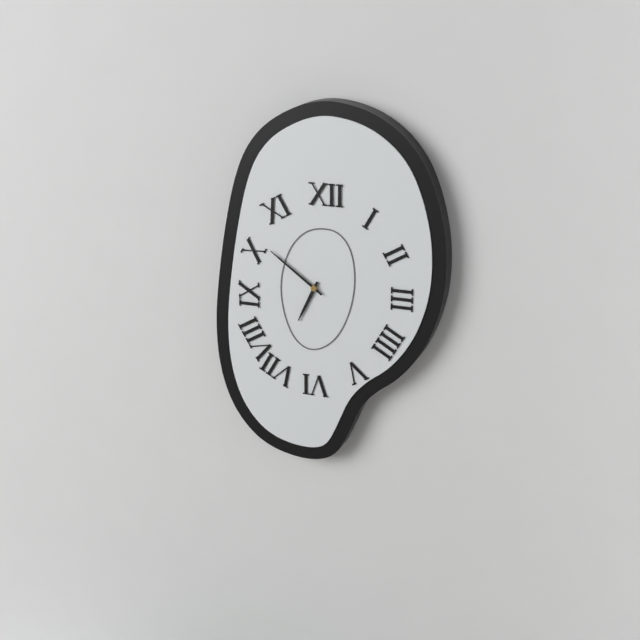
{"hour": 6, "minute": 51}
